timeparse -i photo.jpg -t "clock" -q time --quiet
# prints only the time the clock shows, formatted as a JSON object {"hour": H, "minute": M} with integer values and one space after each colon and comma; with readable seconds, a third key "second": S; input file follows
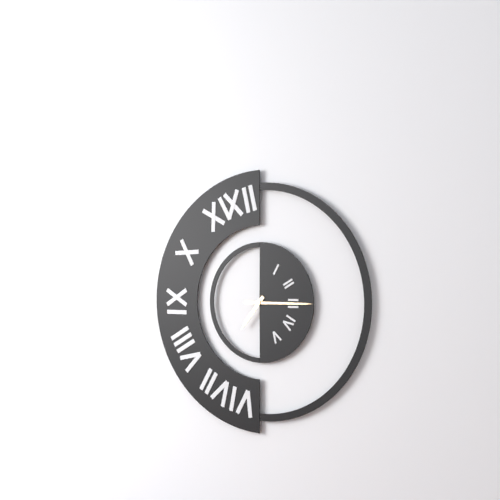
{"hour": 7, "minute": 15}
